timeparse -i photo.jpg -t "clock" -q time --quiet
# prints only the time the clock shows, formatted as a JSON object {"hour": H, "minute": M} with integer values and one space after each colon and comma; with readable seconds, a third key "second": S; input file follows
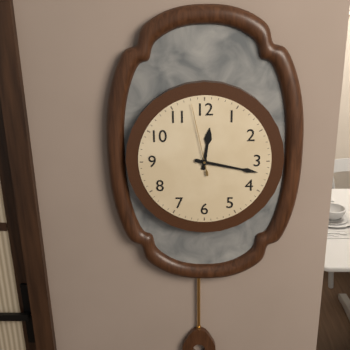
{"hour": 12, "minute": 17, "second": 58}
